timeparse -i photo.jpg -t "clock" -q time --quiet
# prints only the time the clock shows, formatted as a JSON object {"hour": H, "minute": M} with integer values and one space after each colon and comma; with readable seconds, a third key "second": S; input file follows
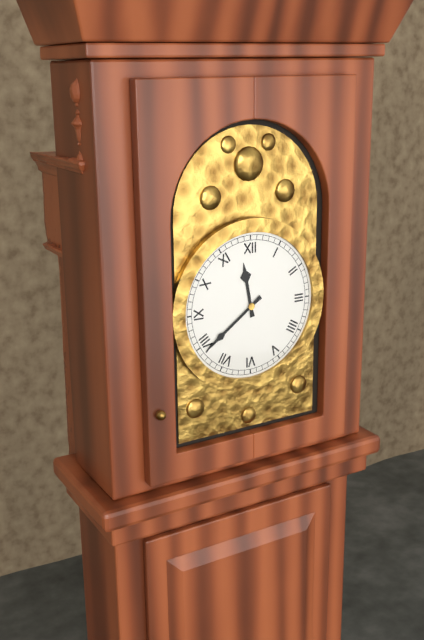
{"hour": 11, "minute": 39}
